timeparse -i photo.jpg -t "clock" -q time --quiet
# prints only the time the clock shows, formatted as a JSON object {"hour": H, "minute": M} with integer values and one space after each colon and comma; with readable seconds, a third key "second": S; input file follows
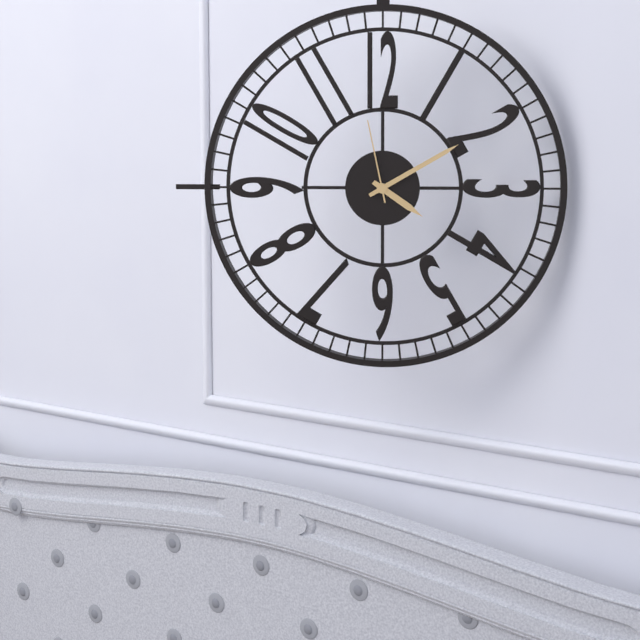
{"hour": 4, "minute": 10, "second": 58}
